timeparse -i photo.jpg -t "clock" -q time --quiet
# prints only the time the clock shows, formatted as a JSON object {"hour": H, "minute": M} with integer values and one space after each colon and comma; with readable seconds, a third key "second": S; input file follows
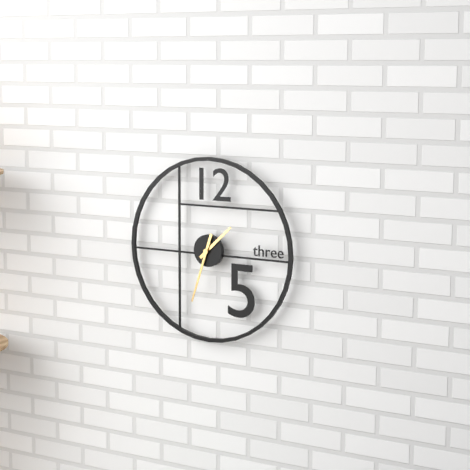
{"hour": 1, "minute": 33}
